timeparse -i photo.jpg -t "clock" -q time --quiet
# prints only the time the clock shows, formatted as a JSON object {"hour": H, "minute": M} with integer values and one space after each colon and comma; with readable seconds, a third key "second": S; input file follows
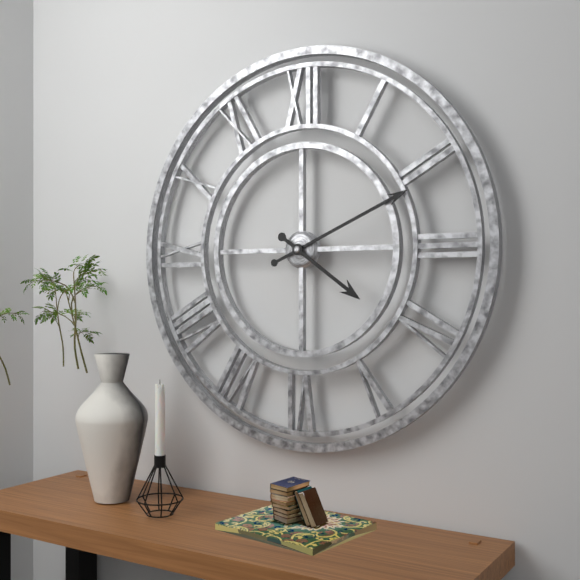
{"hour": 4, "minute": 11}
